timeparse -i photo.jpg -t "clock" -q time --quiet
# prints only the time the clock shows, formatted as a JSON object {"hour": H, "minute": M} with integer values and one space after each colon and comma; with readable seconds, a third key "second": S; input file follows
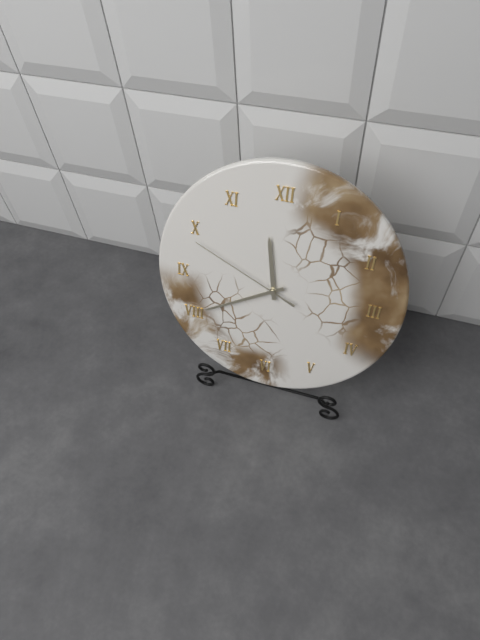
{"hour": 11, "minute": 40, "second": 49}
